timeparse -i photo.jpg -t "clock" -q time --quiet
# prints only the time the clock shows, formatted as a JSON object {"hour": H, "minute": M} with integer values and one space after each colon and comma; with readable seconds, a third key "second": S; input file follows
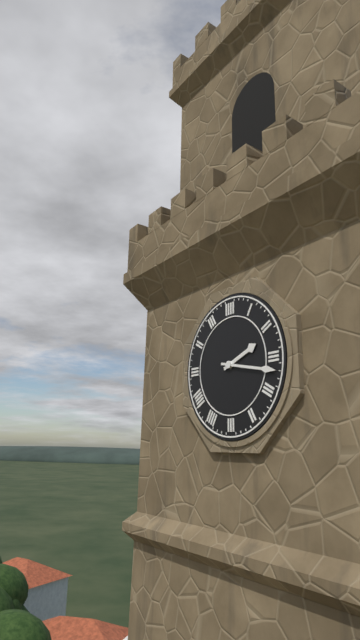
{"hour": 2, "minute": 17}
